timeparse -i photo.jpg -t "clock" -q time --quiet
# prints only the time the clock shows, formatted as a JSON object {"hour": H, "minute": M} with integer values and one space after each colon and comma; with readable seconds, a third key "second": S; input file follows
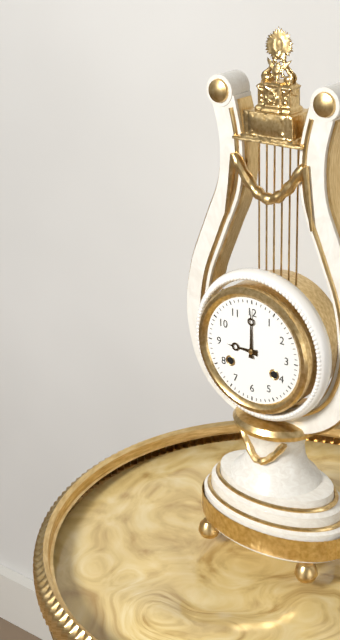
{"hour": 9, "minute": 0}
